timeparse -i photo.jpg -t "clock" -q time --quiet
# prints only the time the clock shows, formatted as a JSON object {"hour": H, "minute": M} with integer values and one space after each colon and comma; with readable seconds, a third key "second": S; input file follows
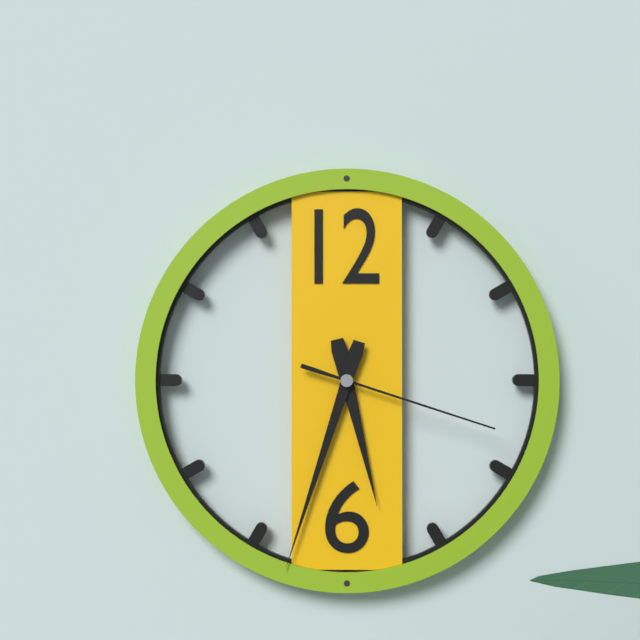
{"hour": 5, "minute": 33, "second": 18}
